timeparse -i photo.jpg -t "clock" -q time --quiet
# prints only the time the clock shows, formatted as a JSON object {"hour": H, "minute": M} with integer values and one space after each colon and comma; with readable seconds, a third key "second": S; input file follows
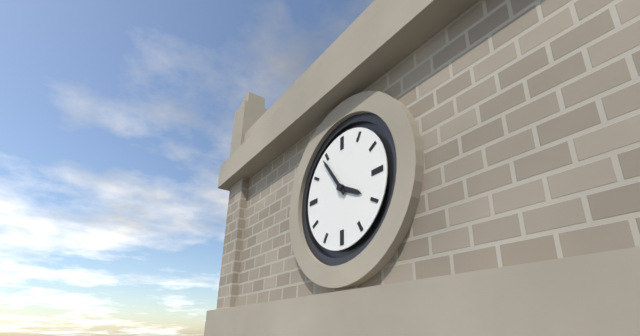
{"hour": 3, "minute": 54}
